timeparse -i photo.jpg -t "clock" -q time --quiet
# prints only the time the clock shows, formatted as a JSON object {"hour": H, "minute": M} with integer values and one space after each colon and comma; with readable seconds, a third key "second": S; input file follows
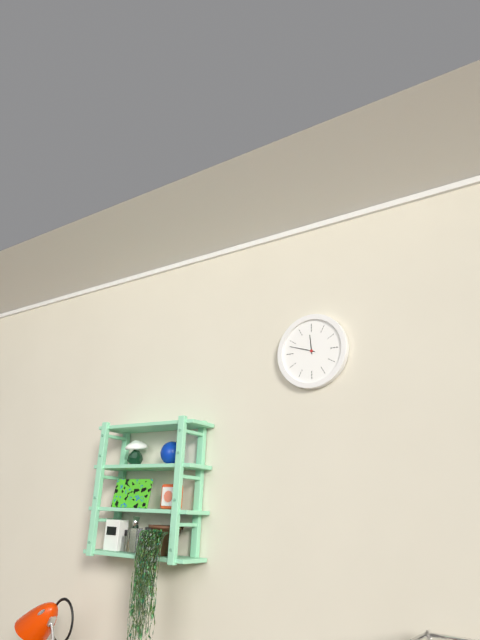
{"hour": 11, "minute": 48}
